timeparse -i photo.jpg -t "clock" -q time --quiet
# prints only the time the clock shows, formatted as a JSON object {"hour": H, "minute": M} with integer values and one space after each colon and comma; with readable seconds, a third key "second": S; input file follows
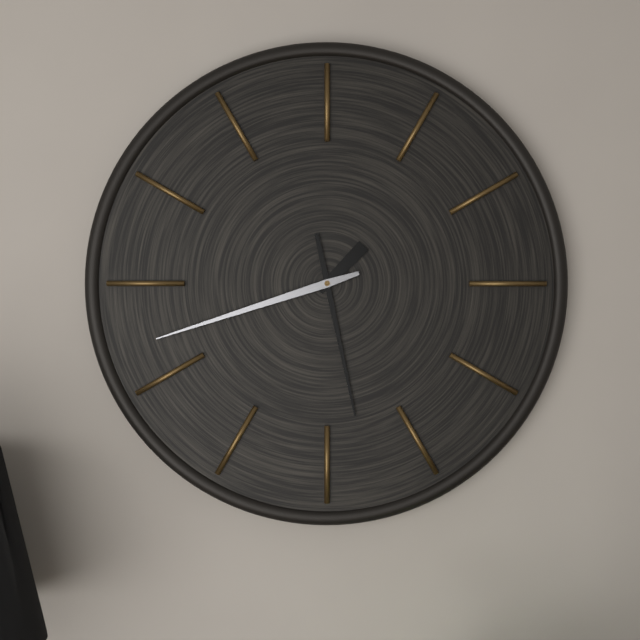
{"hour": 1, "minute": 28, "second": 42}
